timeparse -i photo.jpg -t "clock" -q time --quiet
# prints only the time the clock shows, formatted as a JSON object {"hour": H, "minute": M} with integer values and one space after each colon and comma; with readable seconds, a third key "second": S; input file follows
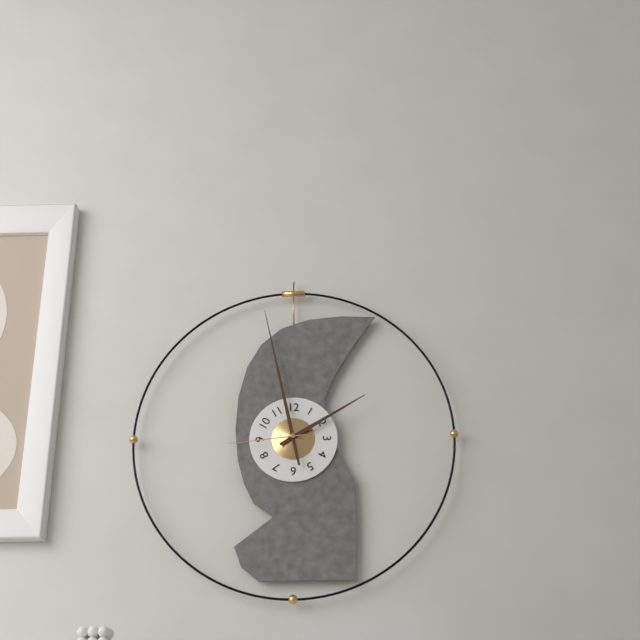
{"hour": 1, "minute": 58, "second": 44}
